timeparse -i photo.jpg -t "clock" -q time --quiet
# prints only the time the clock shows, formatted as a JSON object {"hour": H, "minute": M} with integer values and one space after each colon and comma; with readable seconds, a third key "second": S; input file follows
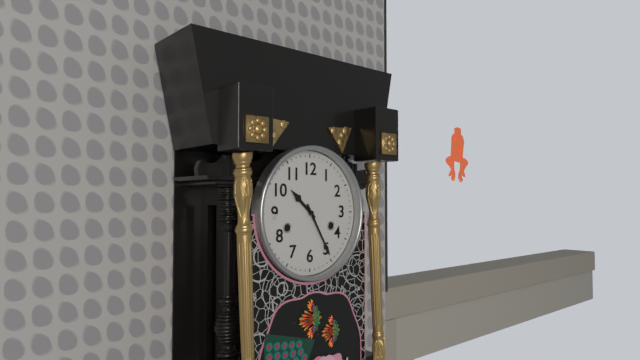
{"hour": 10, "minute": 25}
